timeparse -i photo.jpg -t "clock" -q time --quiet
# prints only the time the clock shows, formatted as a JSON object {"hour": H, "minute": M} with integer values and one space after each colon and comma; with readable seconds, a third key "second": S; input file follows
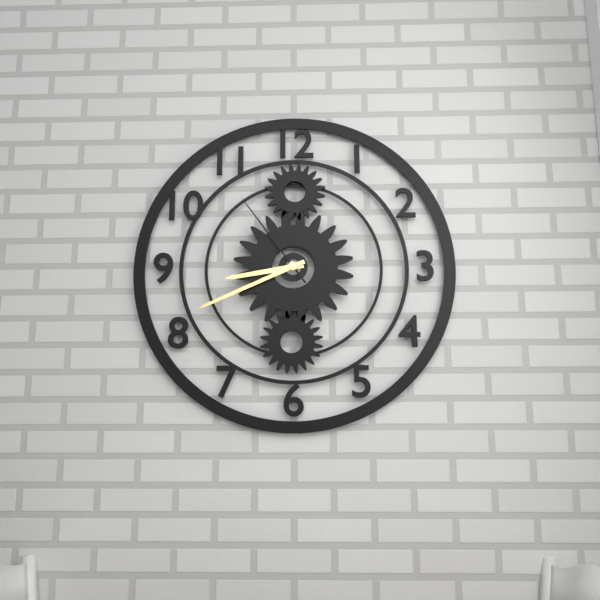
{"hour": 8, "minute": 41, "second": 54}
